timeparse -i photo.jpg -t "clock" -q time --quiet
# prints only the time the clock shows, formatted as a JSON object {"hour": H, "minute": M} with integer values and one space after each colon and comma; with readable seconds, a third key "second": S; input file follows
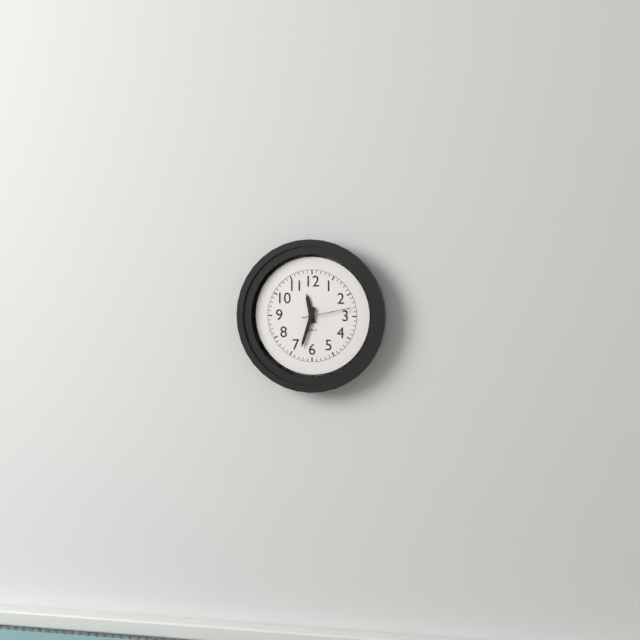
{"hour": 11, "minute": 33}
